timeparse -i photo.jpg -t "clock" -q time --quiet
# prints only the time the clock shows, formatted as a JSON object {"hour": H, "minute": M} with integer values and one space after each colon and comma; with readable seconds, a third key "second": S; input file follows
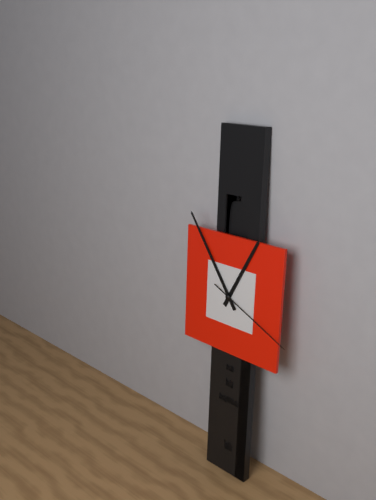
{"hour": 12, "minute": 54, "second": 19}
